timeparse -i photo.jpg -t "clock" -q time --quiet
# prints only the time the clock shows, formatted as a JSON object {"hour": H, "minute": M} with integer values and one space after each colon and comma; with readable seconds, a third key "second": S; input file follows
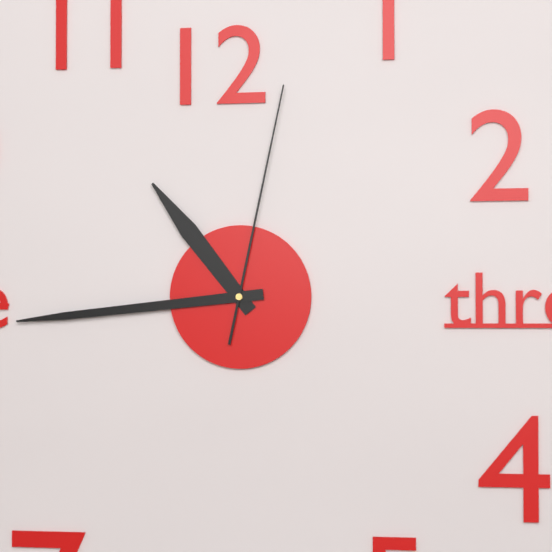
{"hour": 10, "minute": 44, "second": 2}
